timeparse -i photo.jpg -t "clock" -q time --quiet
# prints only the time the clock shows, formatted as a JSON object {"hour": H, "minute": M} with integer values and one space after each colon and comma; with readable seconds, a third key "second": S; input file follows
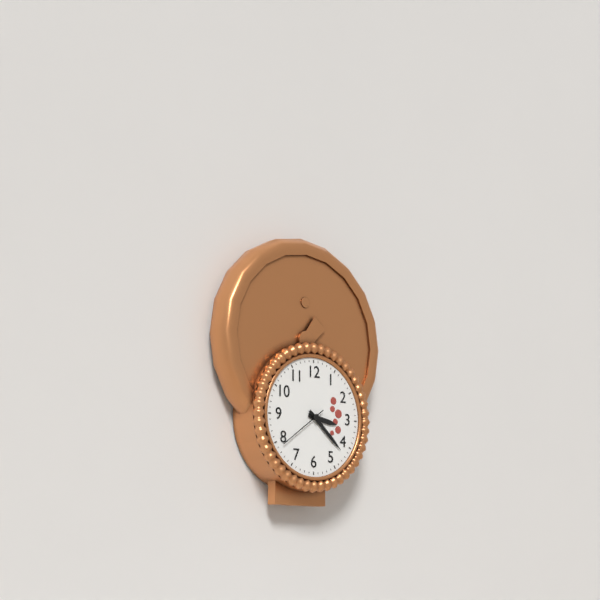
{"hour": 3, "minute": 22, "second": 39}
